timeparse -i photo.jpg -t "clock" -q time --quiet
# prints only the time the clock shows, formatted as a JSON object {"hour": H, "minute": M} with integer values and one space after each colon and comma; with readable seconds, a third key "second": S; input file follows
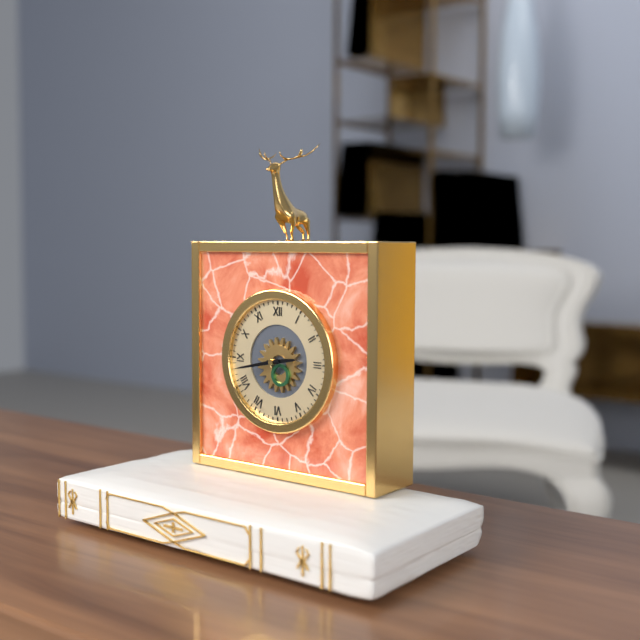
{"hour": 2, "minute": 43}
